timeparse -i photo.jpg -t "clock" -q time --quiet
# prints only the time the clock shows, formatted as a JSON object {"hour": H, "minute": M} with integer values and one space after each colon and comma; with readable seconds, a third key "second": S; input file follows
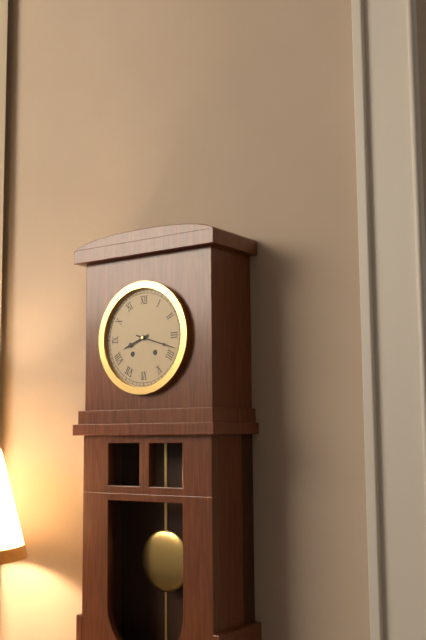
{"hour": 8, "minute": 18}
